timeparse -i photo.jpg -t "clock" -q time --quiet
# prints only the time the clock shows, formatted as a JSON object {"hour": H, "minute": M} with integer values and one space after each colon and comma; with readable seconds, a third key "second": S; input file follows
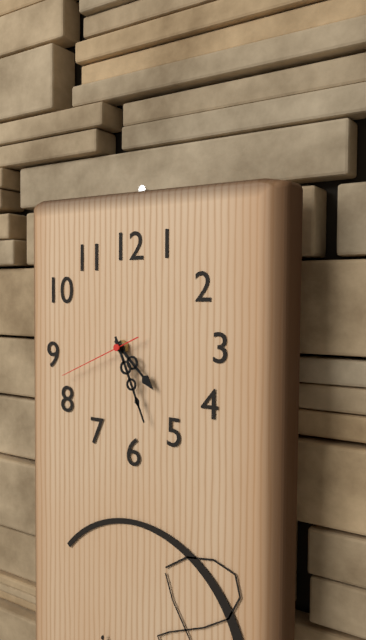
{"hour": 4, "minute": 26, "second": 41}
